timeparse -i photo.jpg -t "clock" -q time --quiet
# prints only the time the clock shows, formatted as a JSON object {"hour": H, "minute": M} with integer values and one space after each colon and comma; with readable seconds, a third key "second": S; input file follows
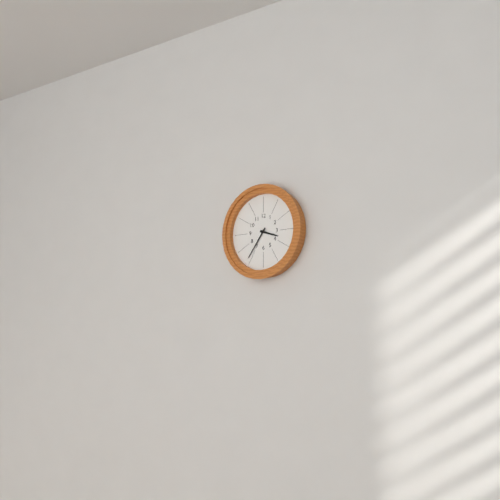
{"hour": 3, "minute": 36}
